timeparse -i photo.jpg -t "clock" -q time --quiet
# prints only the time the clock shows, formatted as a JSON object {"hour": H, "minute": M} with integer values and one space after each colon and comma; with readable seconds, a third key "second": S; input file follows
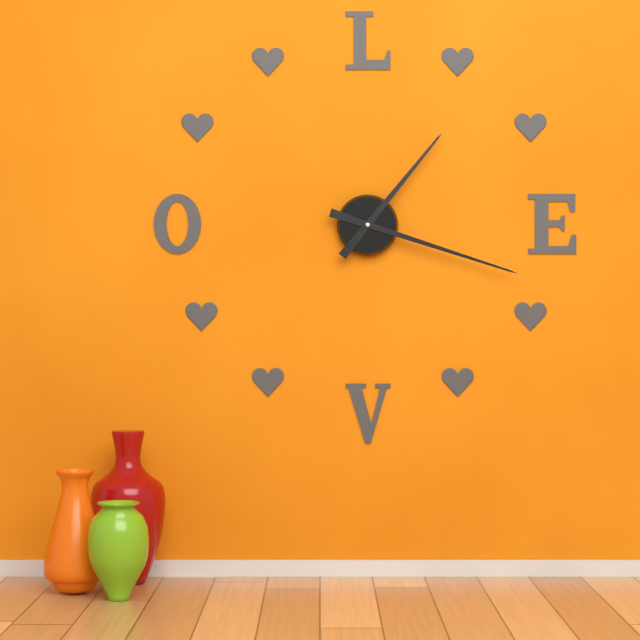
{"hour": 1, "minute": 18}
